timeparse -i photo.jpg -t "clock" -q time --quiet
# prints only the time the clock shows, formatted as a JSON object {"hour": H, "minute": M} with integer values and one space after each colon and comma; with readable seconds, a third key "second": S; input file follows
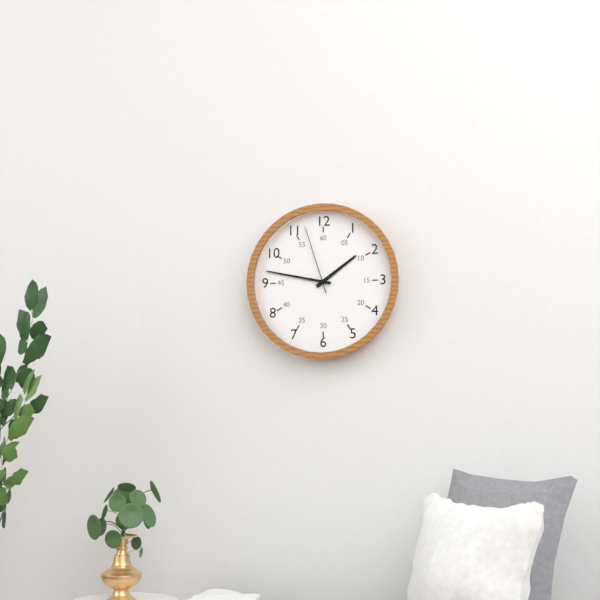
{"hour": 1, "minute": 47, "second": 57}
